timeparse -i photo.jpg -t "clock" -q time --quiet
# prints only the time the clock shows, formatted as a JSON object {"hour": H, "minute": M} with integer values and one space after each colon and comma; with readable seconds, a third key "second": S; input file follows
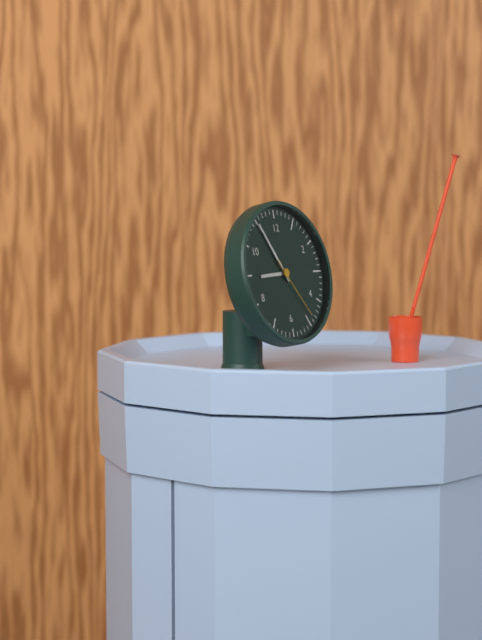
{"hour": 8, "minute": 55, "second": 24}
